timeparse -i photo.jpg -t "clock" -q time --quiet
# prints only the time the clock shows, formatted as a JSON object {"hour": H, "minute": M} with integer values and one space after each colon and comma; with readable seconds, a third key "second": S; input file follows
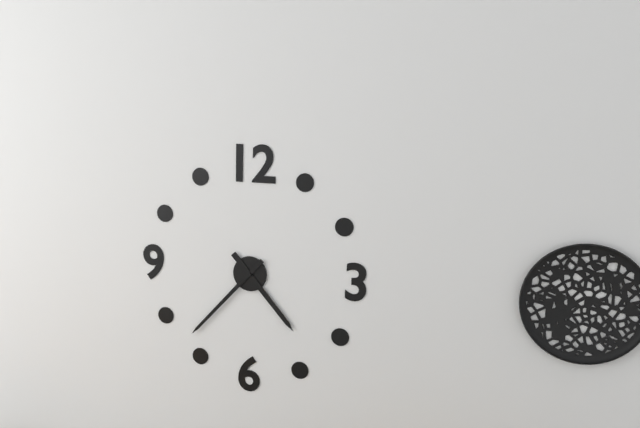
{"hour": 4, "minute": 37}
